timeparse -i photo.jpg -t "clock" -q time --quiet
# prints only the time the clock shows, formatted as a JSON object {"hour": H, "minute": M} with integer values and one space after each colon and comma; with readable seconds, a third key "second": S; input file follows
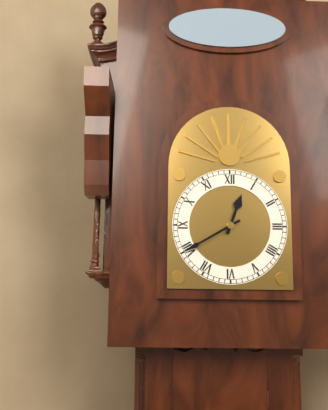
{"hour": 12, "minute": 40}
